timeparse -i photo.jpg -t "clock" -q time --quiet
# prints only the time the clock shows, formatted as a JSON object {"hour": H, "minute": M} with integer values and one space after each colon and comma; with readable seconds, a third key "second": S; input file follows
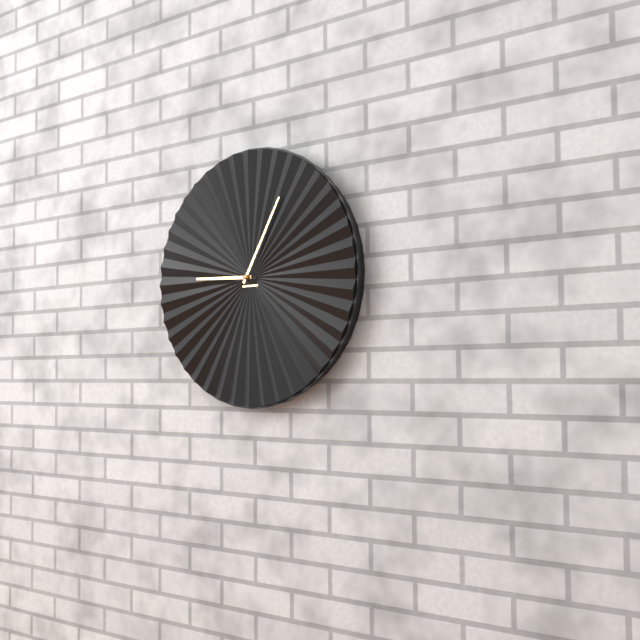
{"hour": 9, "minute": 5}
